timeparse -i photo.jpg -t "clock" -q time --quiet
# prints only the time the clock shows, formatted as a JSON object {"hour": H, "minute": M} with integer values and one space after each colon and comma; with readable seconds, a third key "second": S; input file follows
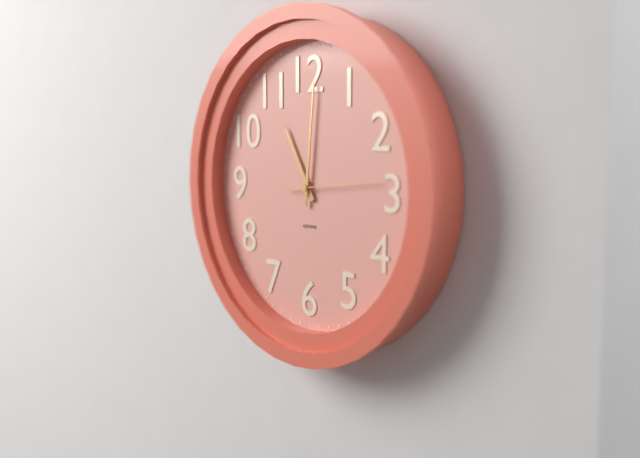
{"hour": 11, "minute": 1, "second": 14}
